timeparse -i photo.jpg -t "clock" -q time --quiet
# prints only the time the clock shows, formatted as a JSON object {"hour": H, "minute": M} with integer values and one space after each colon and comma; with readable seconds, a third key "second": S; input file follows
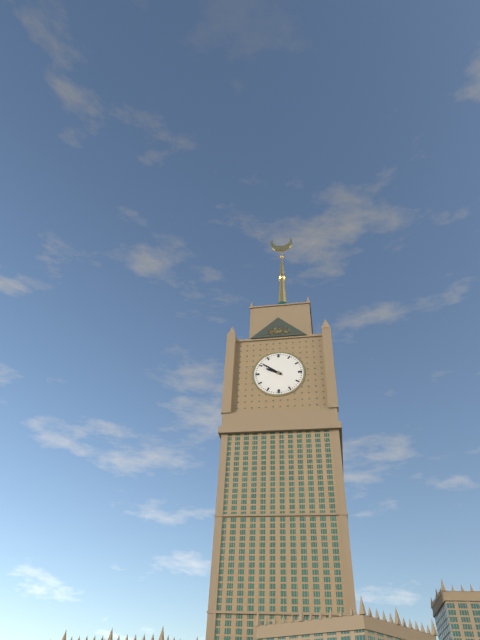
{"hour": 9, "minute": 51}
